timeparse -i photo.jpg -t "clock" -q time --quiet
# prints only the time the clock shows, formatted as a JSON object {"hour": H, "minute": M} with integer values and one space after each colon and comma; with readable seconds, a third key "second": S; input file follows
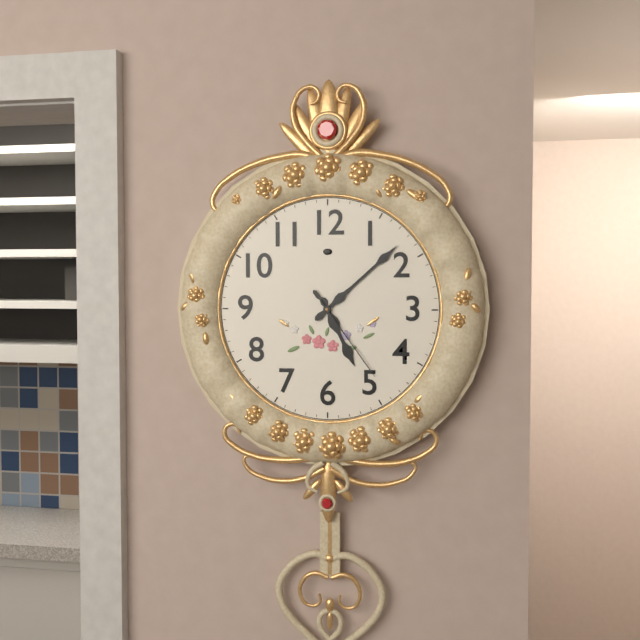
{"hour": 5, "minute": 8, "second": 24}
